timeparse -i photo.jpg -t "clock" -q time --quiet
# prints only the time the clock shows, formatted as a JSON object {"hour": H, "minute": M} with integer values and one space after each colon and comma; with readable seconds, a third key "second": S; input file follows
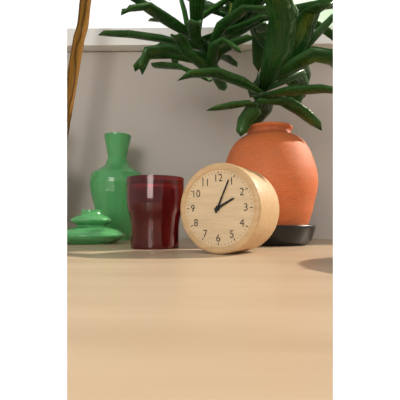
{"hour": 2, "minute": 4}
